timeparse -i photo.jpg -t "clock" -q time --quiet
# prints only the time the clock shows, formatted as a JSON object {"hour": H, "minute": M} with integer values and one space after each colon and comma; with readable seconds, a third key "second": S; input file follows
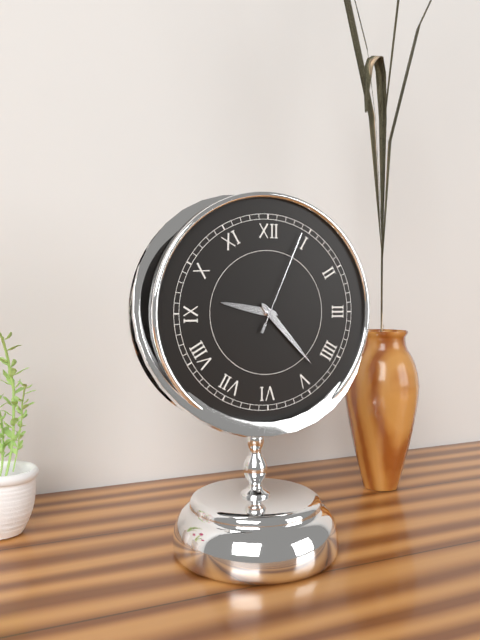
{"hour": 9, "minute": 23, "second": 4}
